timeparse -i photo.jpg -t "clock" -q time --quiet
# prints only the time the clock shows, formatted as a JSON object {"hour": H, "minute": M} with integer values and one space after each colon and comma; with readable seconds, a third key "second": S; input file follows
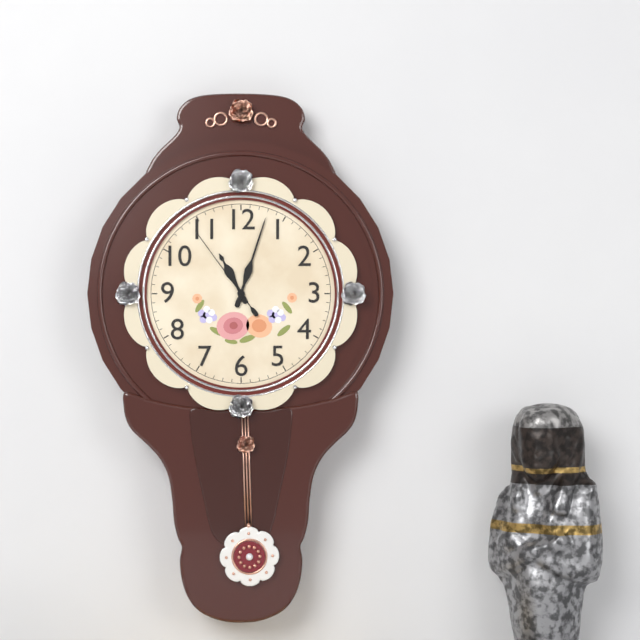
{"hour": 11, "minute": 3, "second": 54}
